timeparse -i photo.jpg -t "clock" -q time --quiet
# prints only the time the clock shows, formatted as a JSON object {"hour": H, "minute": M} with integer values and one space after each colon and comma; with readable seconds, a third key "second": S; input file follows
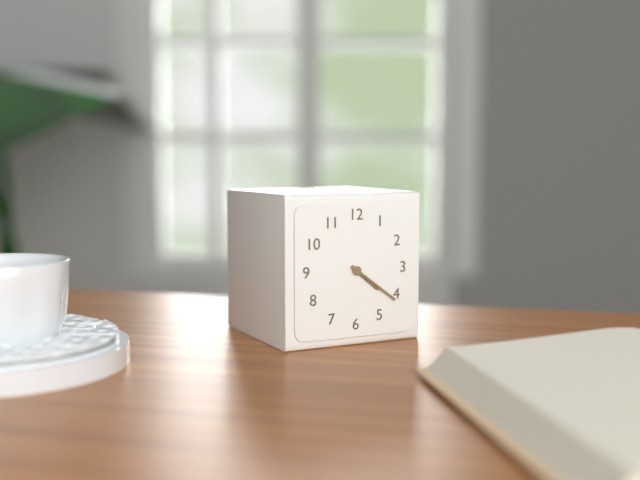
{"hour": 4, "minute": 21}
